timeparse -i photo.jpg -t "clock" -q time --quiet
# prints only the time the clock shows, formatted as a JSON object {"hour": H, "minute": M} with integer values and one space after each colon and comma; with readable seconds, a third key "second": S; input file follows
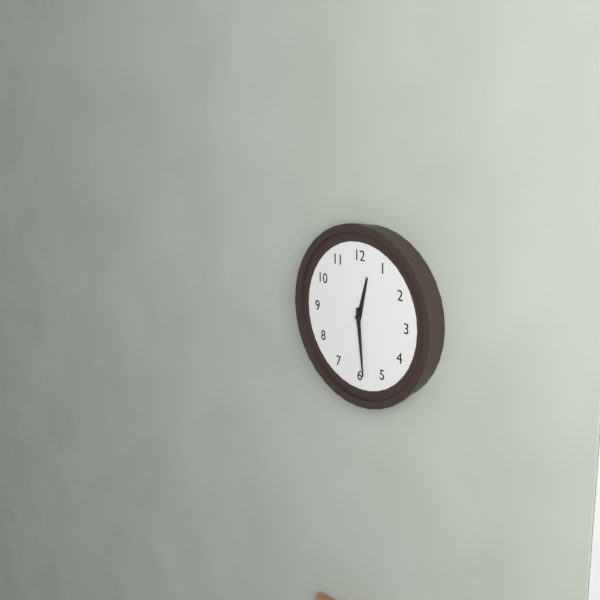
{"hour": 12, "minute": 29}
